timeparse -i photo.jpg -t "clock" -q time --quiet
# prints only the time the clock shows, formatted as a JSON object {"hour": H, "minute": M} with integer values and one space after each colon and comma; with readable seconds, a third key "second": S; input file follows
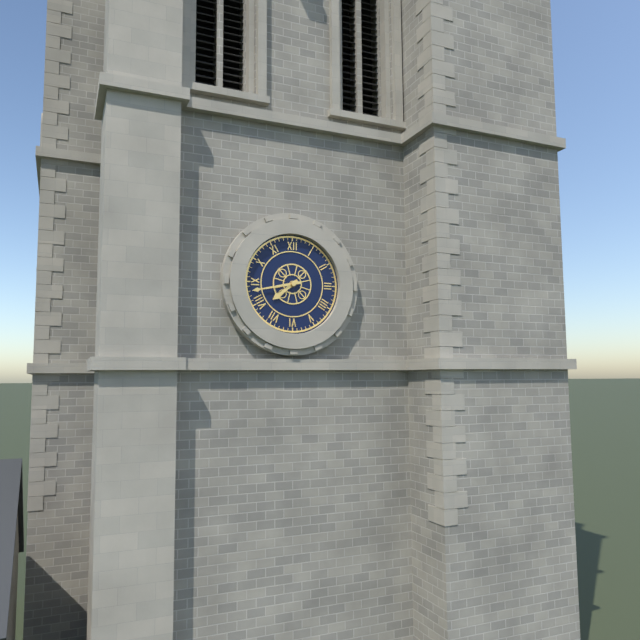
{"hour": 7, "minute": 43}
